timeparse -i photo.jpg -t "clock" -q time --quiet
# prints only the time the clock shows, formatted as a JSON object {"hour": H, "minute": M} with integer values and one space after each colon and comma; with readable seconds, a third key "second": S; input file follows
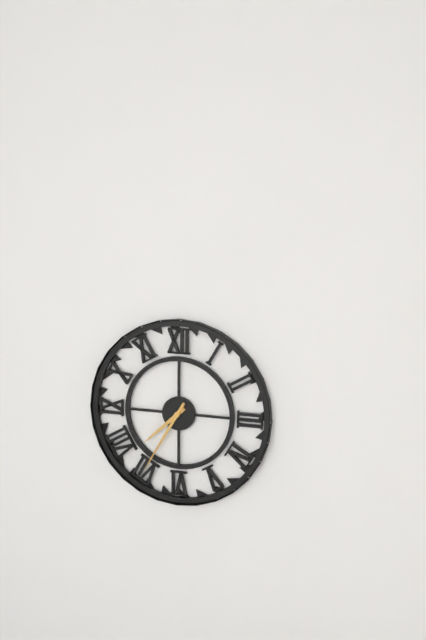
{"hour": 7, "minute": 35}
